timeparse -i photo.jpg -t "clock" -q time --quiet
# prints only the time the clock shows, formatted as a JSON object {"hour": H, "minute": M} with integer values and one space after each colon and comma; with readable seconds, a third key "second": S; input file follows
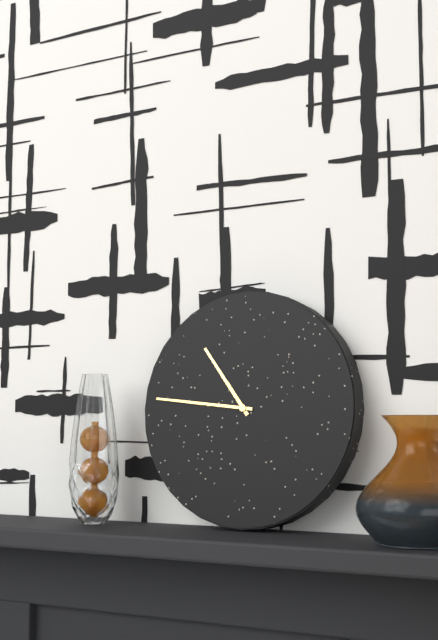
{"hour": 10, "minute": 46}
